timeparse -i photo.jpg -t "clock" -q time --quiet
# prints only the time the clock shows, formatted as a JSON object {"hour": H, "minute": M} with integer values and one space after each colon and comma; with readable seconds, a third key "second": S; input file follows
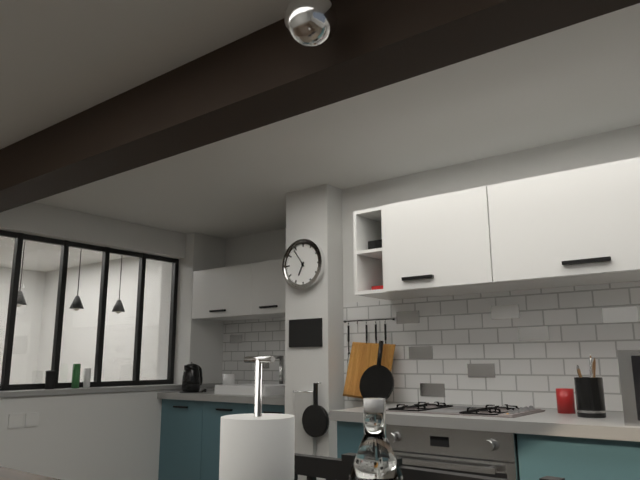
{"hour": 6, "minute": 54}
